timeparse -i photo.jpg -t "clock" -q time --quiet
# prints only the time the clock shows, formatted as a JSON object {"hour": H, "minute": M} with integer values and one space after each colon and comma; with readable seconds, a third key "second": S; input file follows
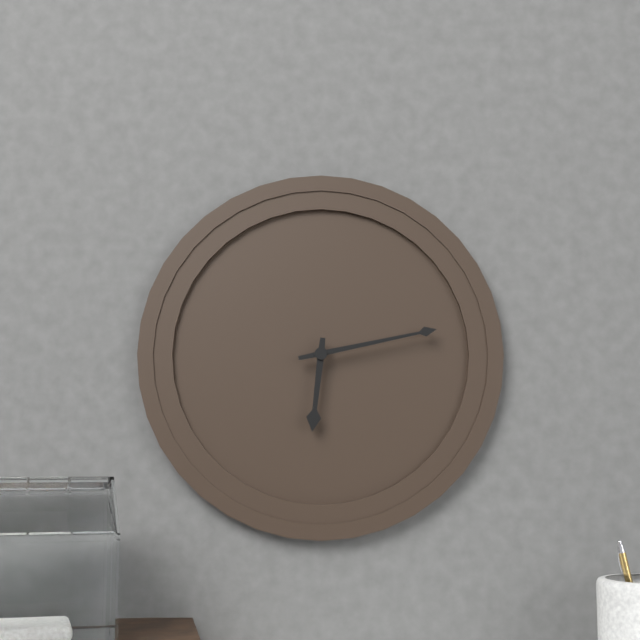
{"hour": 6, "minute": 13}
